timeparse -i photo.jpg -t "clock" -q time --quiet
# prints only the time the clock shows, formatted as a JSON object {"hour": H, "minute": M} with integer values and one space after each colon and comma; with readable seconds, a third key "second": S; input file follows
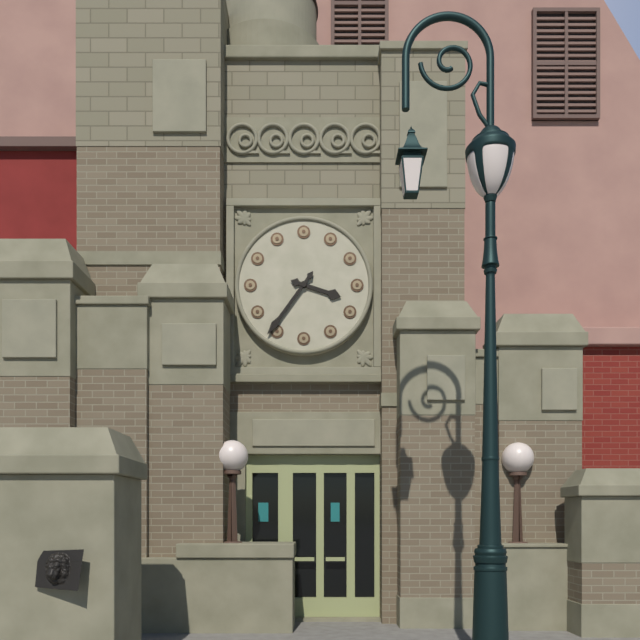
{"hour": 3, "minute": 36}
